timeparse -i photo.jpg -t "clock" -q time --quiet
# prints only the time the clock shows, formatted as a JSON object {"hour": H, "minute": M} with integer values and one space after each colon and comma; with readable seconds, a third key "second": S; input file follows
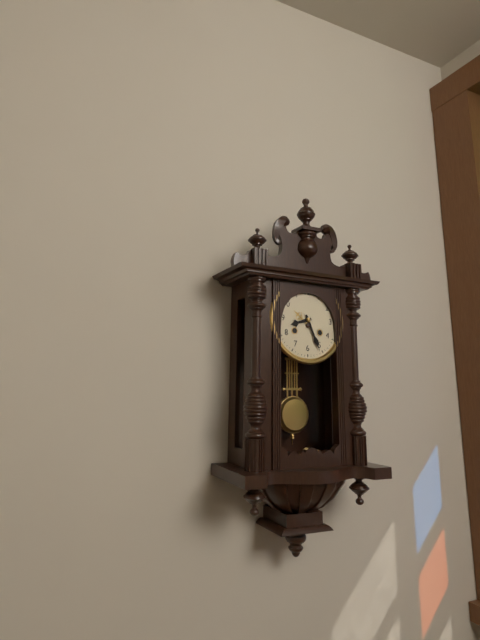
{"hour": 8, "minute": 26}
